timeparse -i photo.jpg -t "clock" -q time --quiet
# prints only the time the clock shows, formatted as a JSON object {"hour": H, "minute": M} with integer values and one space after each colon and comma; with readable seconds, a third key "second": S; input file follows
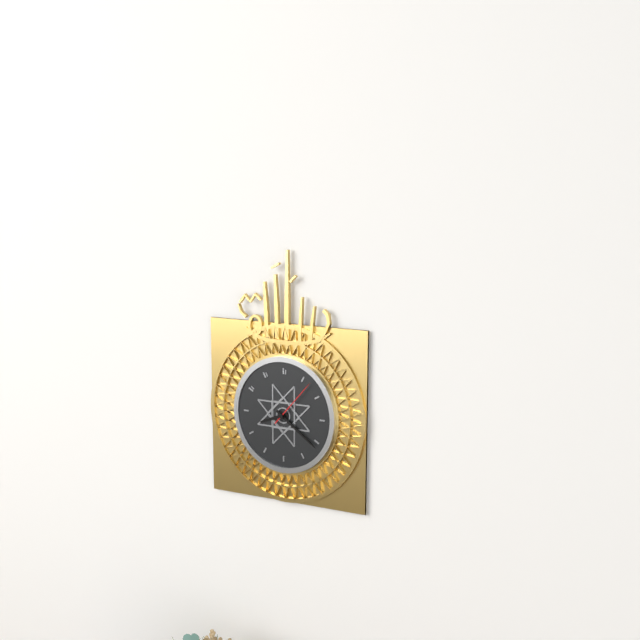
{"hour": 8, "minute": 21}
